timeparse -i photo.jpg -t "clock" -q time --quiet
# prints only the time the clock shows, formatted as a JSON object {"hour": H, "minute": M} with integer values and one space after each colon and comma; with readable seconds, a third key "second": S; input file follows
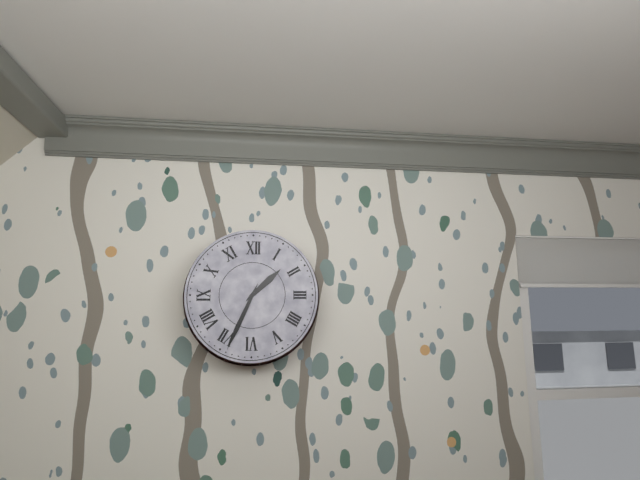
{"hour": 1, "minute": 34}
